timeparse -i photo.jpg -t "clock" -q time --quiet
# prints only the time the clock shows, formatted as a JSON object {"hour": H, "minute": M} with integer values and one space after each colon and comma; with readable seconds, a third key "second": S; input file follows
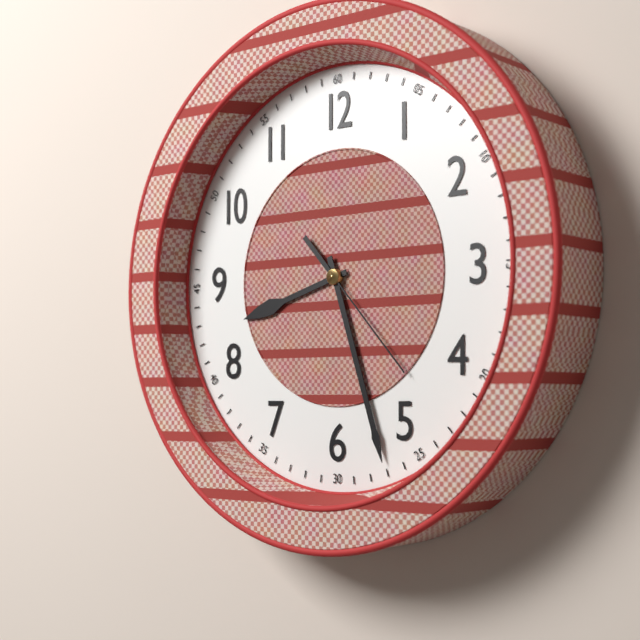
{"hour": 8, "minute": 27, "second": 23}
